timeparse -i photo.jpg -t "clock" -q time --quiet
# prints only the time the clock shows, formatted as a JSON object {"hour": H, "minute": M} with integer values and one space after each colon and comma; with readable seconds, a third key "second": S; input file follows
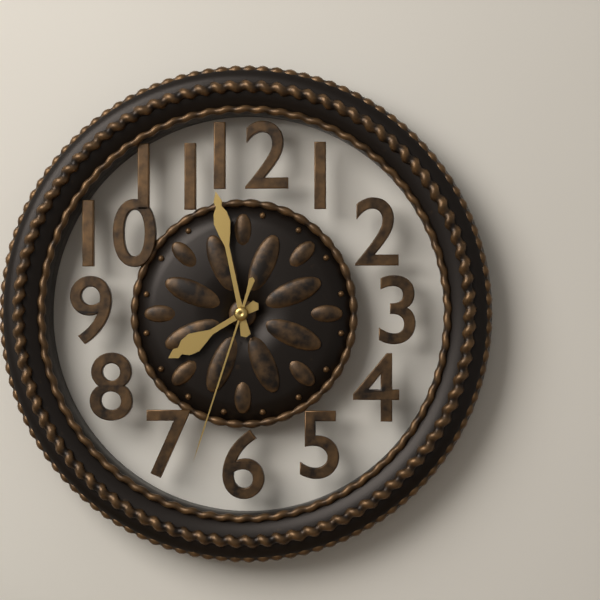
{"hour": 7, "minute": 58, "second": 33}
